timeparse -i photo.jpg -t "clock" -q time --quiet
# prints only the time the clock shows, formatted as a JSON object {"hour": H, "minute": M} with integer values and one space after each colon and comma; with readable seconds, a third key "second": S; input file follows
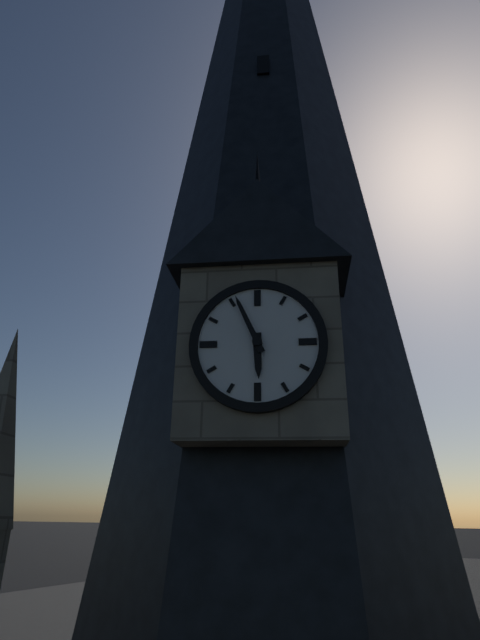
{"hour": 5, "minute": 56}
